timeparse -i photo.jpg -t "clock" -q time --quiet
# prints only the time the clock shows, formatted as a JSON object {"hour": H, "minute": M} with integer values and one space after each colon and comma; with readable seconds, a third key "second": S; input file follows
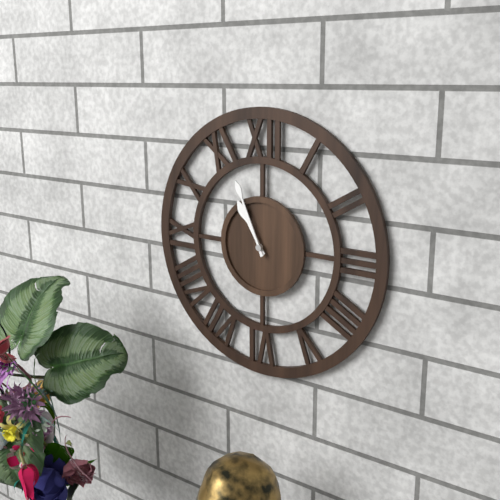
{"hour": 10, "minute": 56}
